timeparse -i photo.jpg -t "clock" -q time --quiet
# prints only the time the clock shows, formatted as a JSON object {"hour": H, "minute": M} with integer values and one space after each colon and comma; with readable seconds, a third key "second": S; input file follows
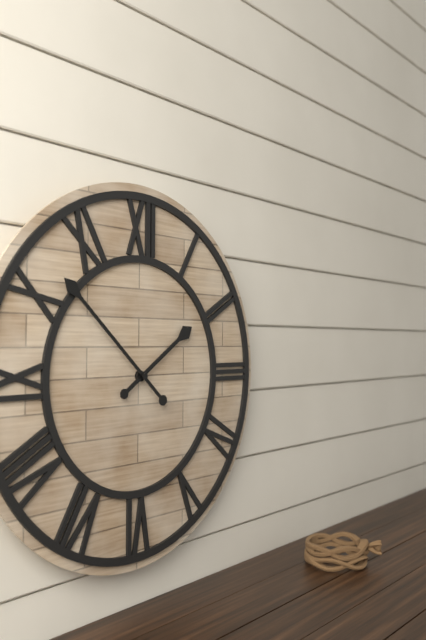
{"hour": 1, "minute": 52}
